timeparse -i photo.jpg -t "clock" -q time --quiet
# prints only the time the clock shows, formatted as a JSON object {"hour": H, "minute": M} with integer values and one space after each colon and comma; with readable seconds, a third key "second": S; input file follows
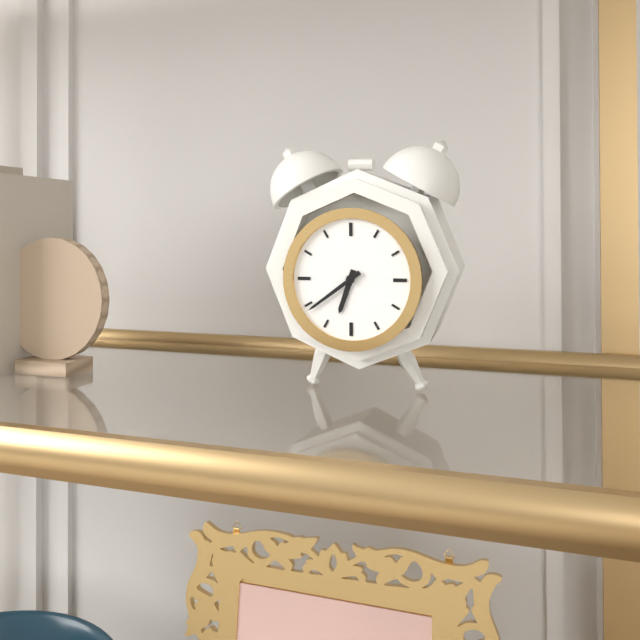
{"hour": 6, "minute": 39}
